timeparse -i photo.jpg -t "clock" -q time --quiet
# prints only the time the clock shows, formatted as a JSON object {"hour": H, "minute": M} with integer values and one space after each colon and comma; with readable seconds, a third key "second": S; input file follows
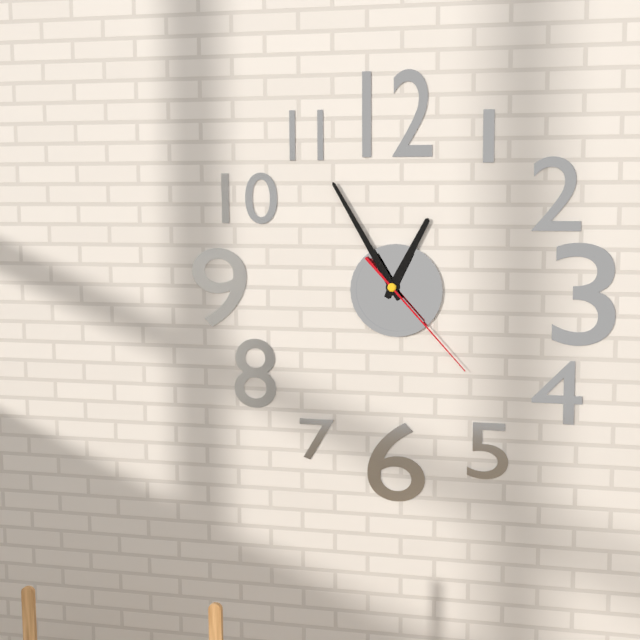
{"hour": 12, "minute": 55, "second": 23}
